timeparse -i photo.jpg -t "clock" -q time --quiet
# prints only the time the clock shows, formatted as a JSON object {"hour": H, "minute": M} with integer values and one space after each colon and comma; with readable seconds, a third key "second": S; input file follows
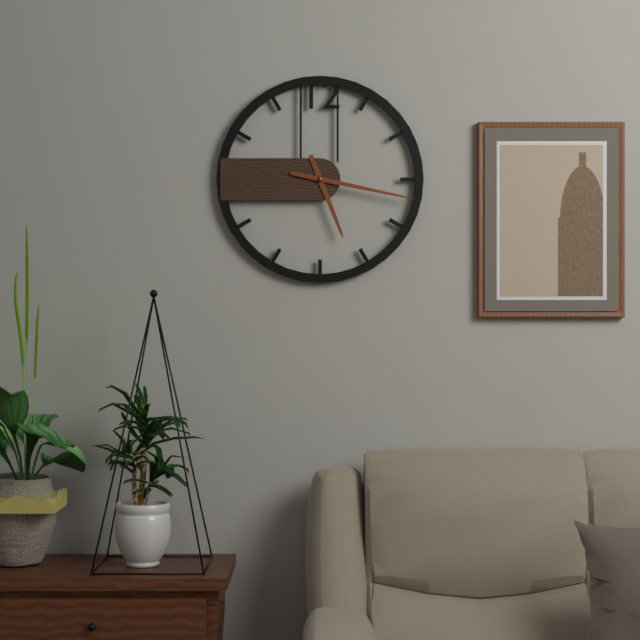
{"hour": 5, "minute": 17}
